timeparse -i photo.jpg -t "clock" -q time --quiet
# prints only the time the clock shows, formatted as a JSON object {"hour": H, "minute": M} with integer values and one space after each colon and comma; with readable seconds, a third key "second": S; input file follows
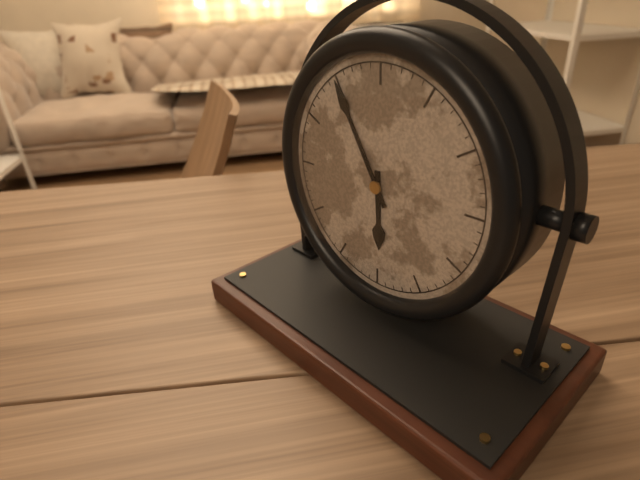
{"hour": 5, "minute": 55}
